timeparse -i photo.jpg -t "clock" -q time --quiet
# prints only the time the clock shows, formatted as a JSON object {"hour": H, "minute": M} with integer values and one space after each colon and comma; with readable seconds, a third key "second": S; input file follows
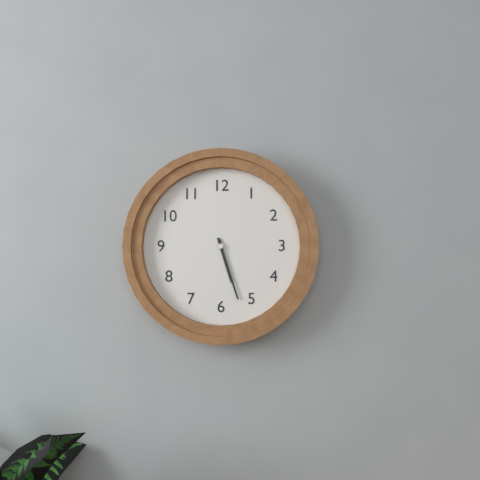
{"hour": 5, "minute": 27}
